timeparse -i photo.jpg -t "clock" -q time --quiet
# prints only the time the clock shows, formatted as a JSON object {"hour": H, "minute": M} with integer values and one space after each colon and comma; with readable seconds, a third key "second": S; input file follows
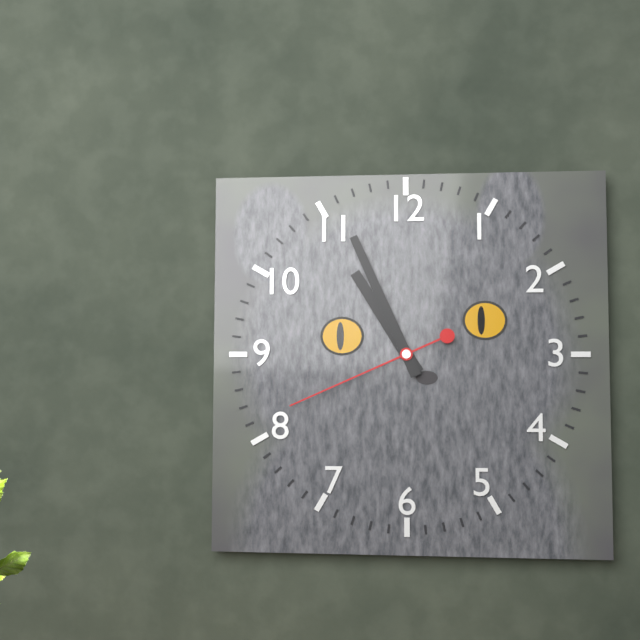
{"hour": 10, "minute": 56, "second": 41}
